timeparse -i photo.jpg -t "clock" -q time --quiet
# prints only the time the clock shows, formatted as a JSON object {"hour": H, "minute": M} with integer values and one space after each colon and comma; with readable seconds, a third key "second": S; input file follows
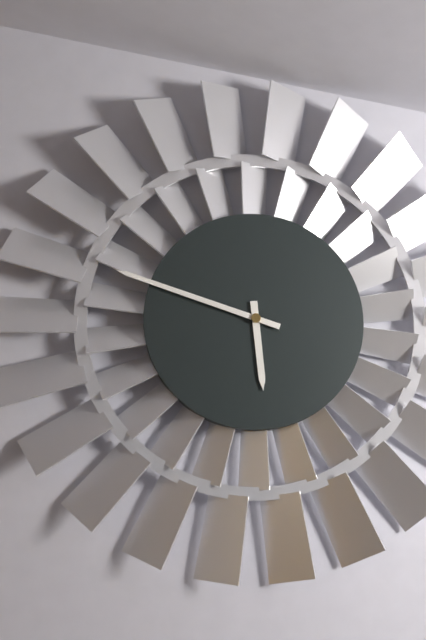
{"hour": 5, "minute": 48}
